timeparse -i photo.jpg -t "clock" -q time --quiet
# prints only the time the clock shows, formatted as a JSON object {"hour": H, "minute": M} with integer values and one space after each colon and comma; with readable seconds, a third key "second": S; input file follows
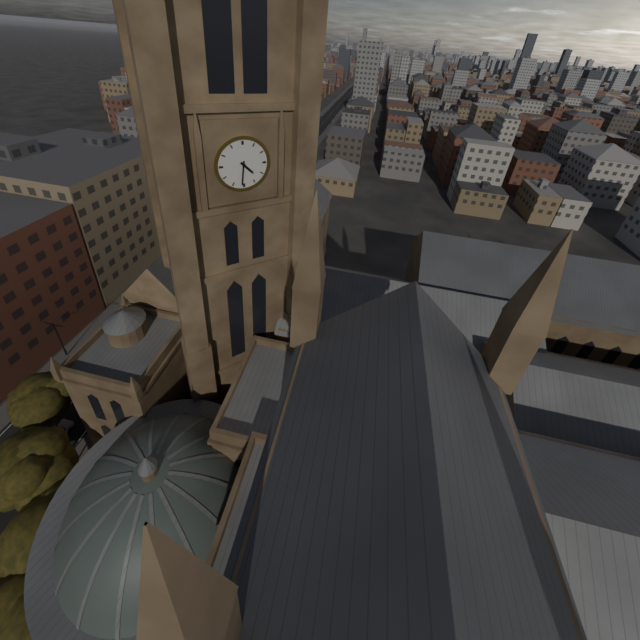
{"hour": 4, "minute": 31}
